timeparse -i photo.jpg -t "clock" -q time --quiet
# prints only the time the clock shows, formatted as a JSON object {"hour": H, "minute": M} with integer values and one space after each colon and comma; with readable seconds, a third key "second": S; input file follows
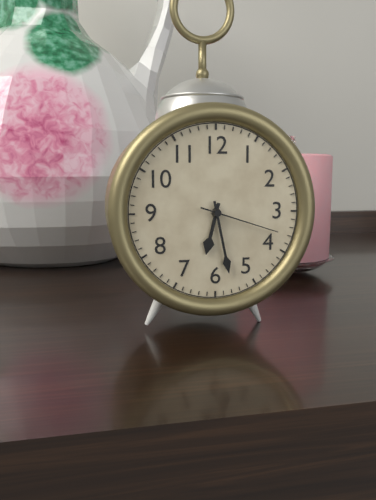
{"hour": 6, "minute": 28, "second": 18}
